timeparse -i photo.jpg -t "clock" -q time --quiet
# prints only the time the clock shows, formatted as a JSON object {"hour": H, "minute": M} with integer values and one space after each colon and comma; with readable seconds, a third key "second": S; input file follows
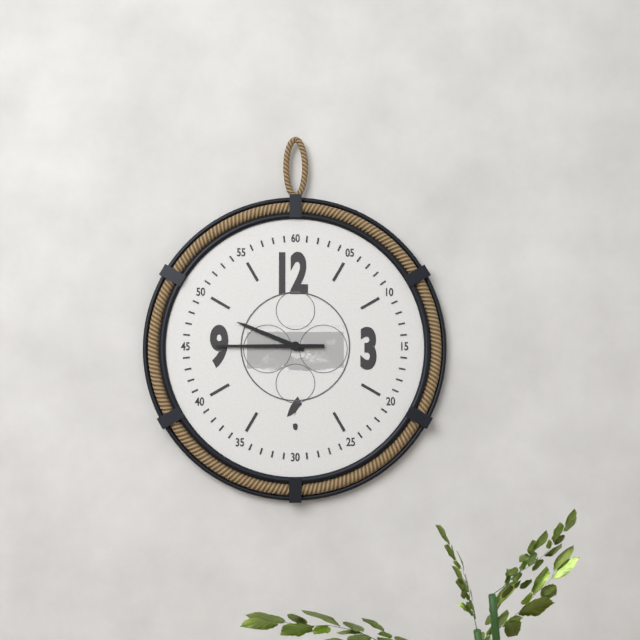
{"hour": 9, "minute": 45}
